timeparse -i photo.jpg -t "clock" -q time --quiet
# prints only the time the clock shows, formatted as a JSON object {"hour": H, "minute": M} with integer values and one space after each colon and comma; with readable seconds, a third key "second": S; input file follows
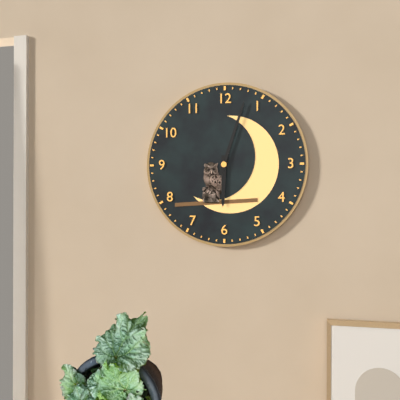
{"hour": 6, "minute": 3}
